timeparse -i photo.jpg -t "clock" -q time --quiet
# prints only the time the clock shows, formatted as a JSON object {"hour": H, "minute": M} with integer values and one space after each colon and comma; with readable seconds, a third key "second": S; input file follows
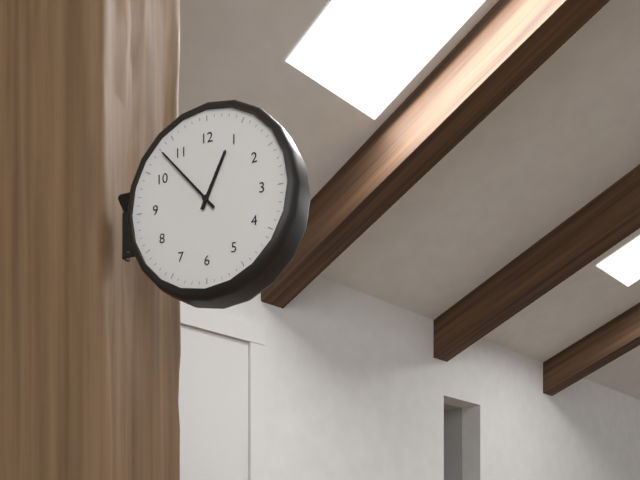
{"hour": 12, "minute": 53}
